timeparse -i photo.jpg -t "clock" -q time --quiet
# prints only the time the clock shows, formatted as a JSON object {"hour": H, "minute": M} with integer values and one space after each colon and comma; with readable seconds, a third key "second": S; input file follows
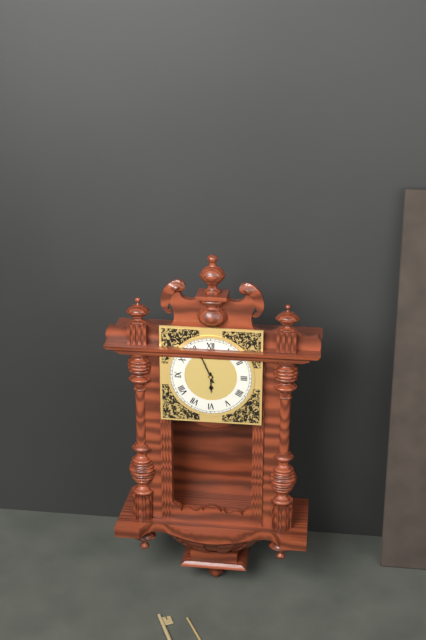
{"hour": 5, "minute": 56}
